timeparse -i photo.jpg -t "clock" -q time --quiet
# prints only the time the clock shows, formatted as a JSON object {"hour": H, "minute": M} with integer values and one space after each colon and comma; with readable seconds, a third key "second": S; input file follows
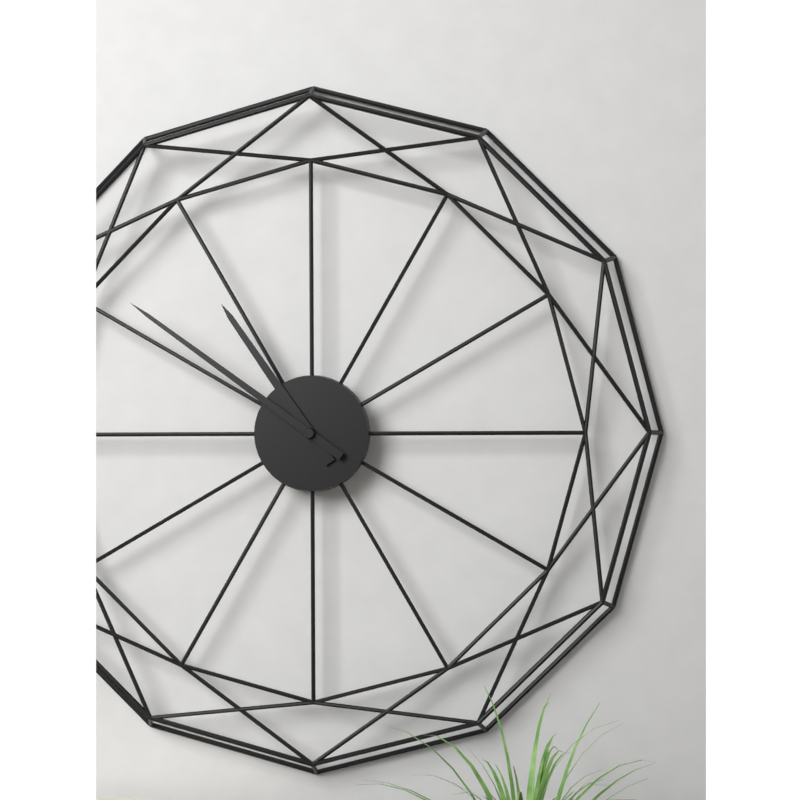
{"hour": 10, "minute": 51}
